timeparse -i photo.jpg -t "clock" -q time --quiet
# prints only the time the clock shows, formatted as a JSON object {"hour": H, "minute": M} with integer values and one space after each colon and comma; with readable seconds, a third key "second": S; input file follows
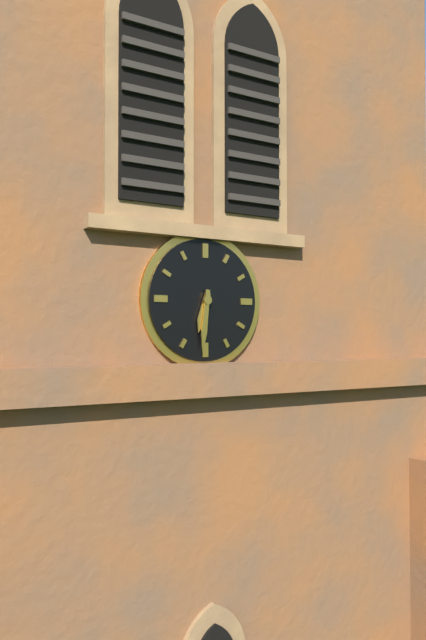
{"hour": 6, "minute": 31}
